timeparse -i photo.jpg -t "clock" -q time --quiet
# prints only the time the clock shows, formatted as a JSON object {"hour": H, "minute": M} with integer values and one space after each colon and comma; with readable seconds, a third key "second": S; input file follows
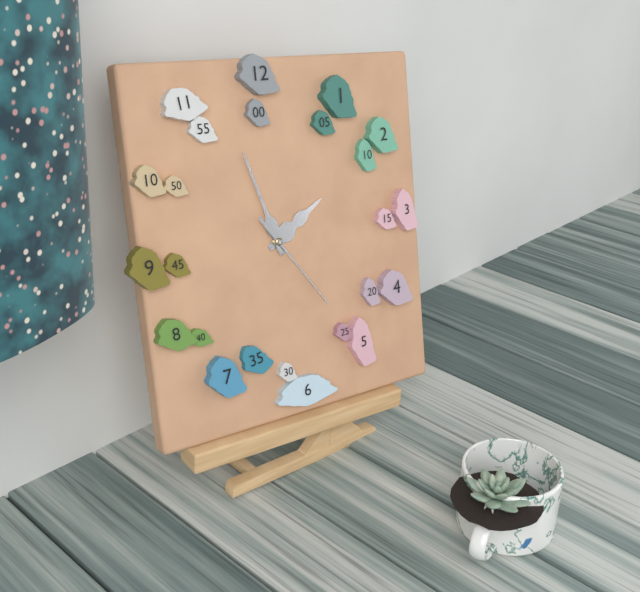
{"hour": 1, "minute": 57, "second": 24}
